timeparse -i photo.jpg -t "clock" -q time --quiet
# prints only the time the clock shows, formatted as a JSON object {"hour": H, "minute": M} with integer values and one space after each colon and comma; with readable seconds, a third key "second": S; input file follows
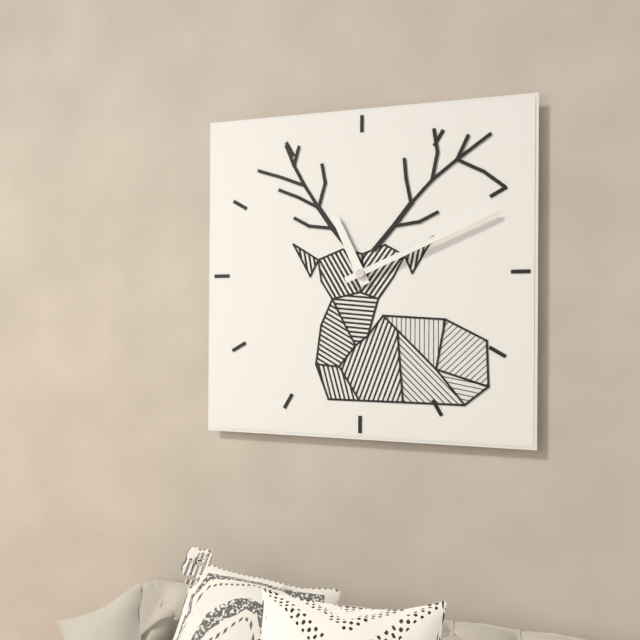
{"hour": 11, "minute": 11}
